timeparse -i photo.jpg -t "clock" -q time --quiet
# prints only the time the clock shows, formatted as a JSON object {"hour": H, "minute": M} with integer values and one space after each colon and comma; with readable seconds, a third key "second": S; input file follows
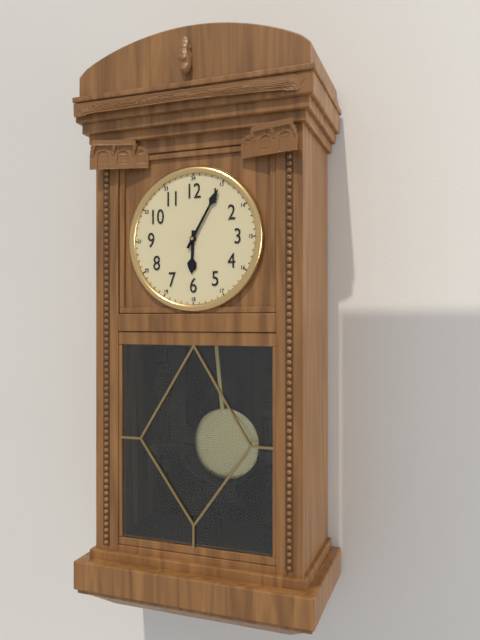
{"hour": 6, "minute": 5}
